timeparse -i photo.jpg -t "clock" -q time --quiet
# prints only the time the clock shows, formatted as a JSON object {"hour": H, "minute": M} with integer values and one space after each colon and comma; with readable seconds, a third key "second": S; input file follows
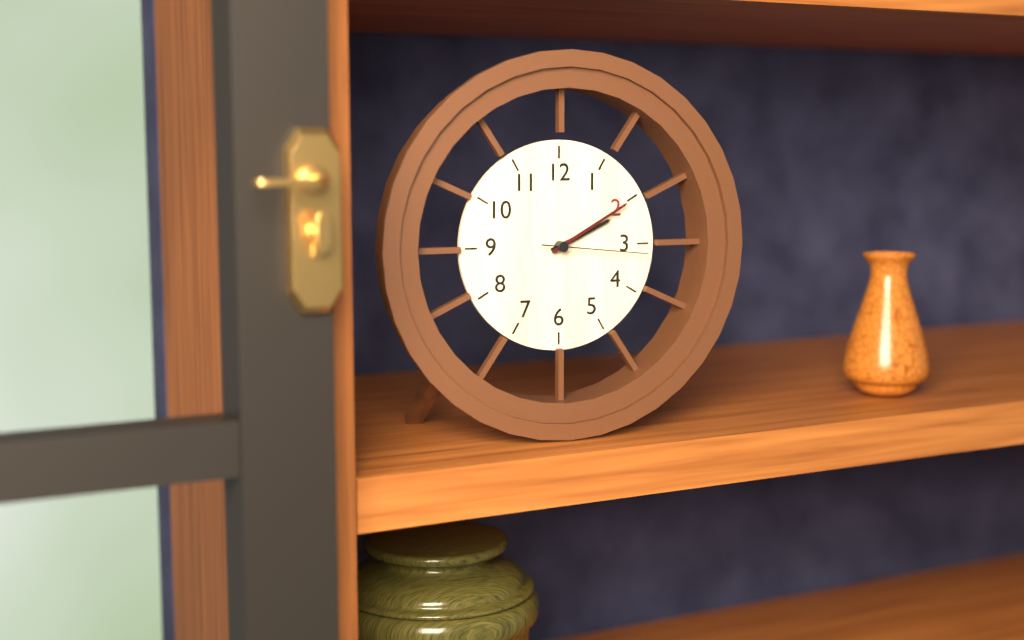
{"hour": 2, "minute": 10, "second": 16}
